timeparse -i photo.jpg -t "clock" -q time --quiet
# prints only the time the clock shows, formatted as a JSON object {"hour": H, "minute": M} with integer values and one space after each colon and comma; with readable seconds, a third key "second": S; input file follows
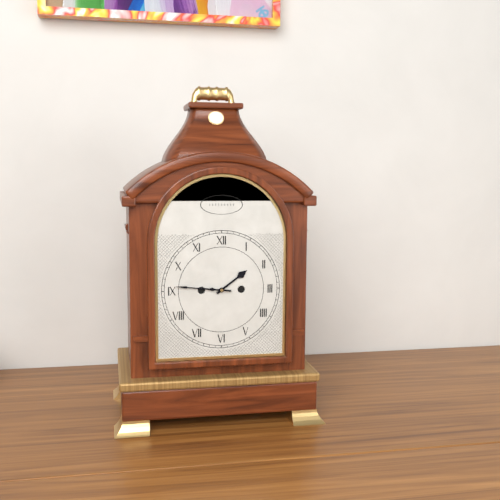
{"hour": 1, "minute": 46}
